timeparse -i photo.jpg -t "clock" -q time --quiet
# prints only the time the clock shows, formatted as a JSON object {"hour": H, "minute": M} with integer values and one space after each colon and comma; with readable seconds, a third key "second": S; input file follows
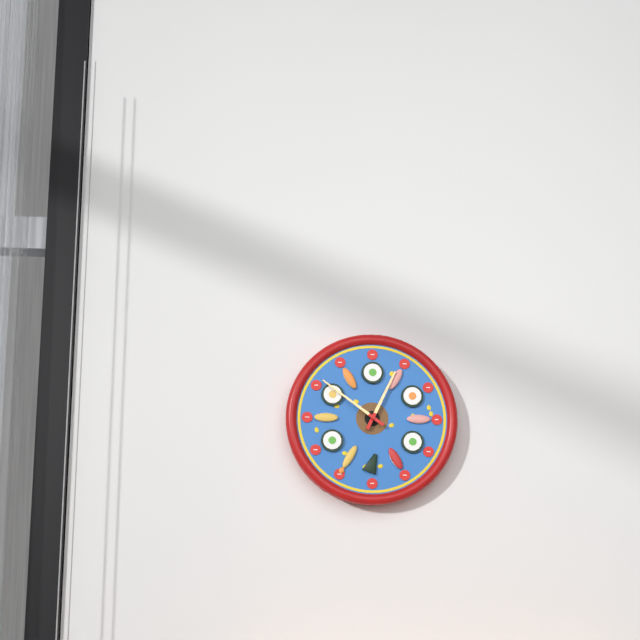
{"hour": 12, "minute": 51}
